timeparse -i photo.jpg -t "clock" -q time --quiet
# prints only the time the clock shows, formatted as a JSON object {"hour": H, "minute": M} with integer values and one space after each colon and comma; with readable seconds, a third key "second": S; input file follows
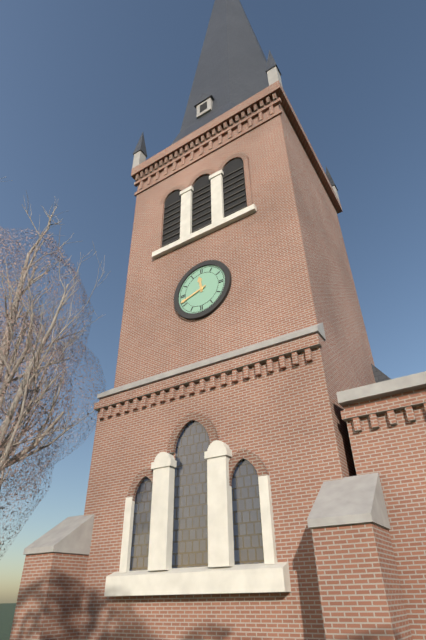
{"hour": 11, "minute": 42}
